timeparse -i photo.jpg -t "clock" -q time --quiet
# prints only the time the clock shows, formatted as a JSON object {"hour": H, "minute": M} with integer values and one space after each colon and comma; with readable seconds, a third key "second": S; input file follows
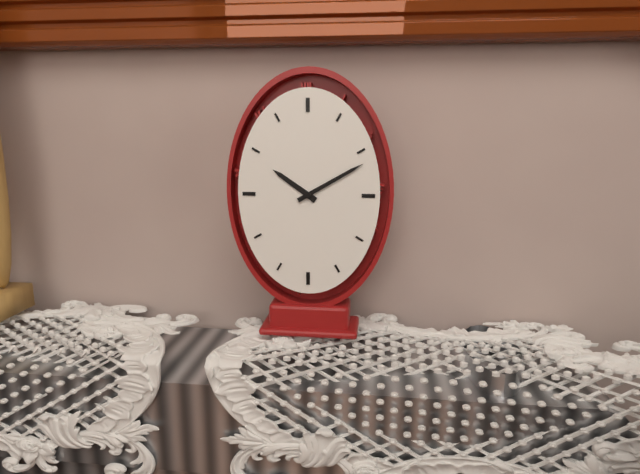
{"hour": 10, "minute": 10}
